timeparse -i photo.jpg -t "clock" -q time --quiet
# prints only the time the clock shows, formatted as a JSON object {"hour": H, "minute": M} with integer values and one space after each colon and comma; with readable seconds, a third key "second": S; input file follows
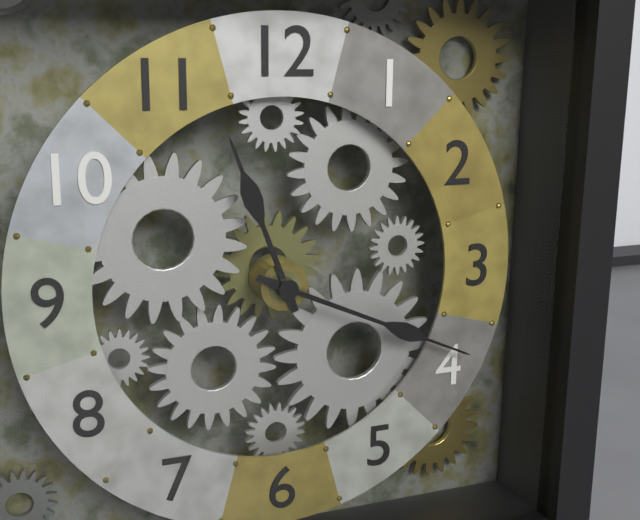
{"hour": 11, "minute": 19}
